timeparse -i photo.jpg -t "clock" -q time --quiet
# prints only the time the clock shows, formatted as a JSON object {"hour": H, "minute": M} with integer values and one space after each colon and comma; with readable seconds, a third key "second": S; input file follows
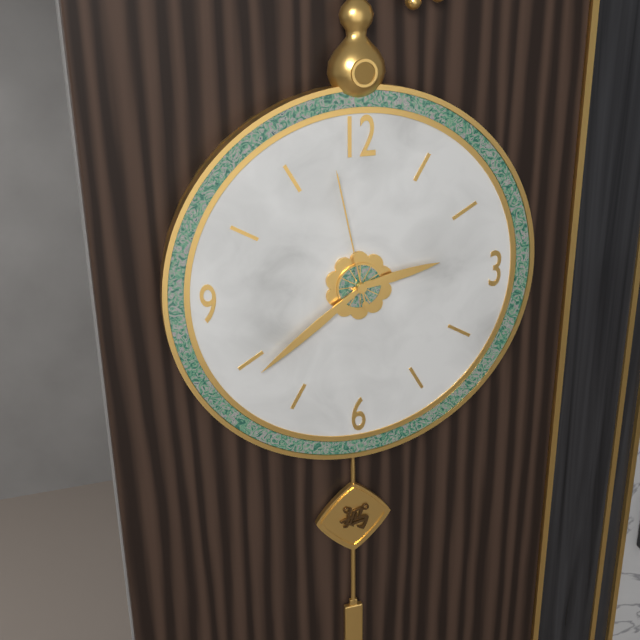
{"hour": 2, "minute": 39, "second": 58}
